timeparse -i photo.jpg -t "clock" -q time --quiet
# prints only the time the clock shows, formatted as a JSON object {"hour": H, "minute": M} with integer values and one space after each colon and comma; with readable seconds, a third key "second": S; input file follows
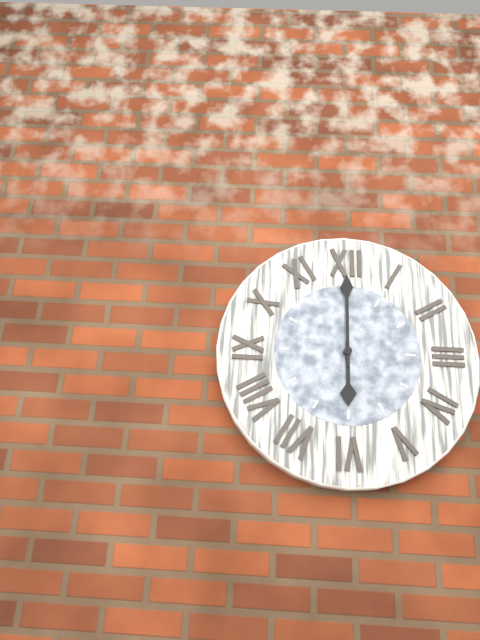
{"hour": 6, "minute": 0}
